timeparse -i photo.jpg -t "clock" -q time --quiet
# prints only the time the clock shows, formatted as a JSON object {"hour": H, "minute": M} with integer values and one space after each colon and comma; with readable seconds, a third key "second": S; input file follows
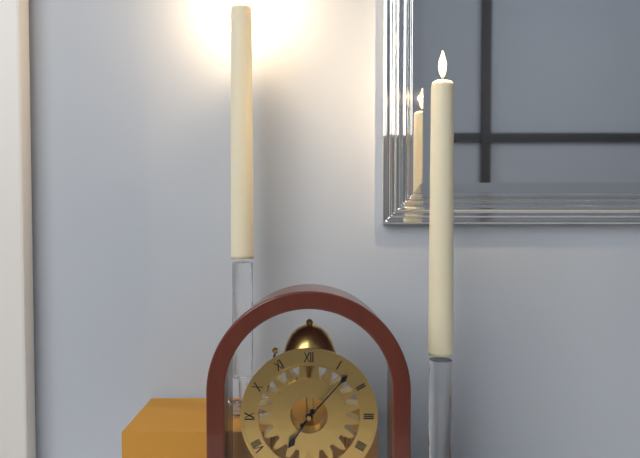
{"hour": 7, "minute": 7}
